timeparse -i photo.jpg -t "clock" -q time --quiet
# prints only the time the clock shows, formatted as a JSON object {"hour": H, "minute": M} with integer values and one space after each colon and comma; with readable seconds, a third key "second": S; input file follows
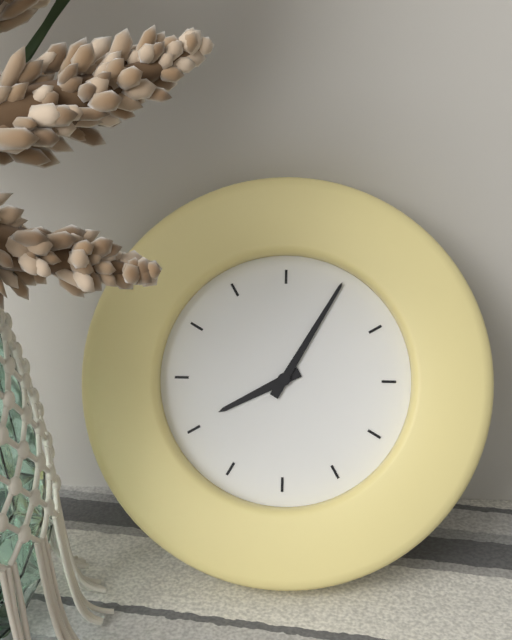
{"hour": 8, "minute": 5}
